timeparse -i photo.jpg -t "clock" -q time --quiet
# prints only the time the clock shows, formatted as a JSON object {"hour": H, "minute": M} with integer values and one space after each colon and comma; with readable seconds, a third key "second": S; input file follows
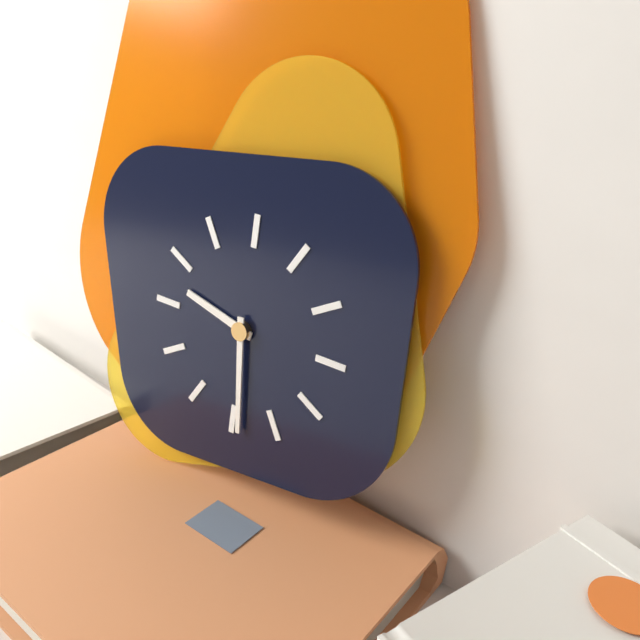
{"hour": 9, "minute": 29}
